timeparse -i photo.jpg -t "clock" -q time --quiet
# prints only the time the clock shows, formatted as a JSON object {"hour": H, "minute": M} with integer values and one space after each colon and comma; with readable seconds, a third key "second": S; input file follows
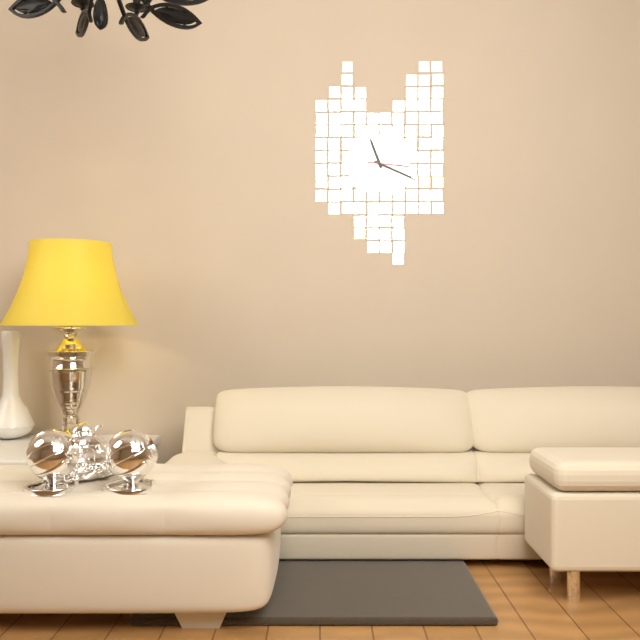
{"hour": 11, "minute": 19}
